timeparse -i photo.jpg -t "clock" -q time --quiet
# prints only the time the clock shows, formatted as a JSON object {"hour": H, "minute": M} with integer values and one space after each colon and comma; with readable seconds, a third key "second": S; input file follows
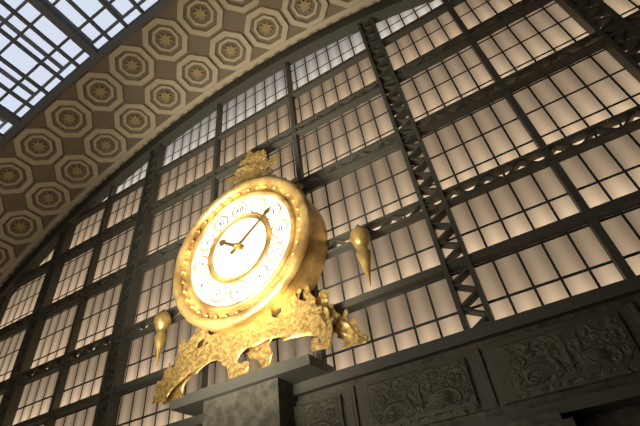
{"hour": 10, "minute": 9}
